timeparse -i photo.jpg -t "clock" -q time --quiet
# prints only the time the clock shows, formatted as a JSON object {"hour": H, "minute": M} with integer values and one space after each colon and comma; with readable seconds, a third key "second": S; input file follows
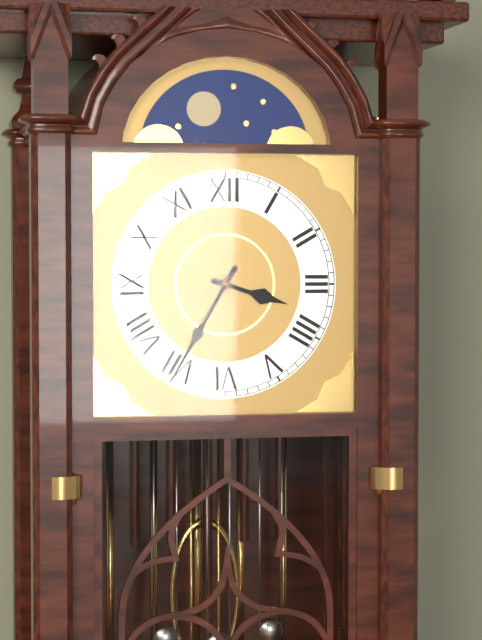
{"hour": 3, "minute": 35}
